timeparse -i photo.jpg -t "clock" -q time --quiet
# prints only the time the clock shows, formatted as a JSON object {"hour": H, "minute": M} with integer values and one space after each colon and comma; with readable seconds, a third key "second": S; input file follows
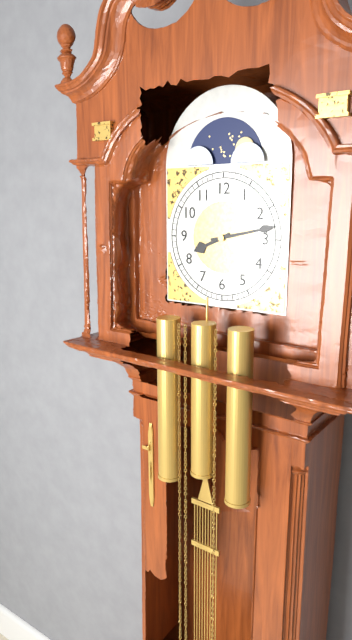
{"hour": 8, "minute": 13}
